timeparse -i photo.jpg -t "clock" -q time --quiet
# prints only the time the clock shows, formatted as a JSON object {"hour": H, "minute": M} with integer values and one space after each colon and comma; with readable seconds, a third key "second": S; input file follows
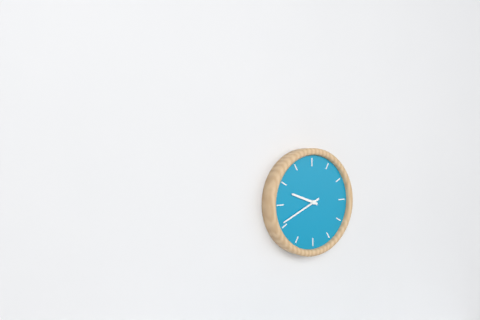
{"hour": 9, "minute": 41}
